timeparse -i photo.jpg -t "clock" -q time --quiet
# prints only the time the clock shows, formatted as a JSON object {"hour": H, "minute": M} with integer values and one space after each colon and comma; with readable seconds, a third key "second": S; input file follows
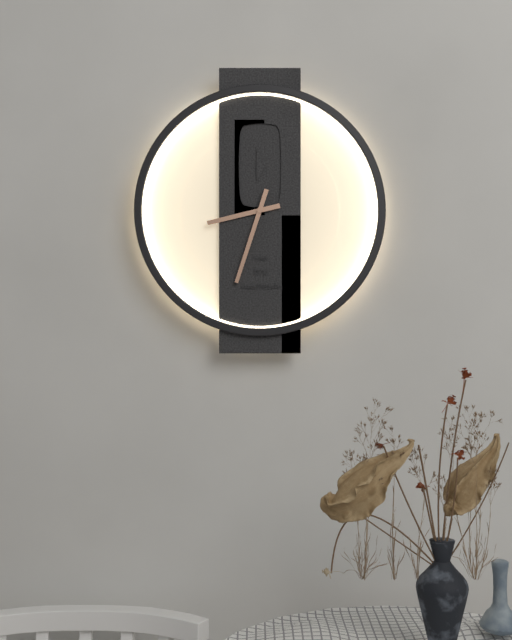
{"hour": 8, "minute": 33}
